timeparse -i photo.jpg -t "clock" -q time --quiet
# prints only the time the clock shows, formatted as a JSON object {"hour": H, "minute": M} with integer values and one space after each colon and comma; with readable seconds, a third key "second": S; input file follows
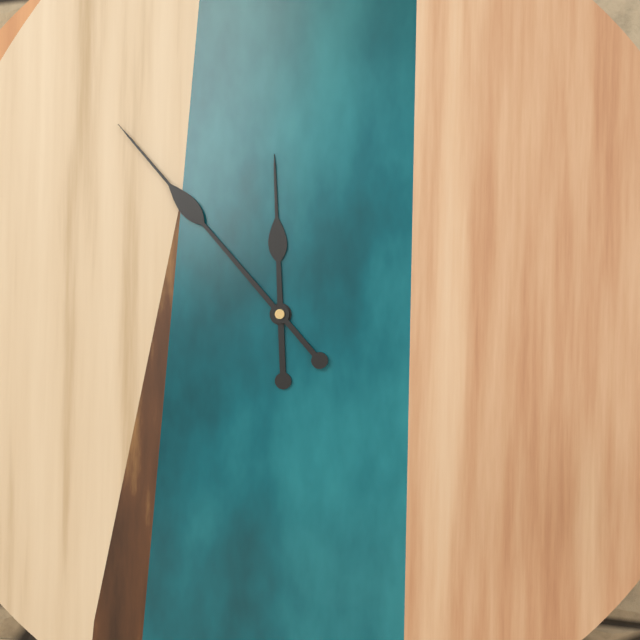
{"hour": 11, "minute": 53}
